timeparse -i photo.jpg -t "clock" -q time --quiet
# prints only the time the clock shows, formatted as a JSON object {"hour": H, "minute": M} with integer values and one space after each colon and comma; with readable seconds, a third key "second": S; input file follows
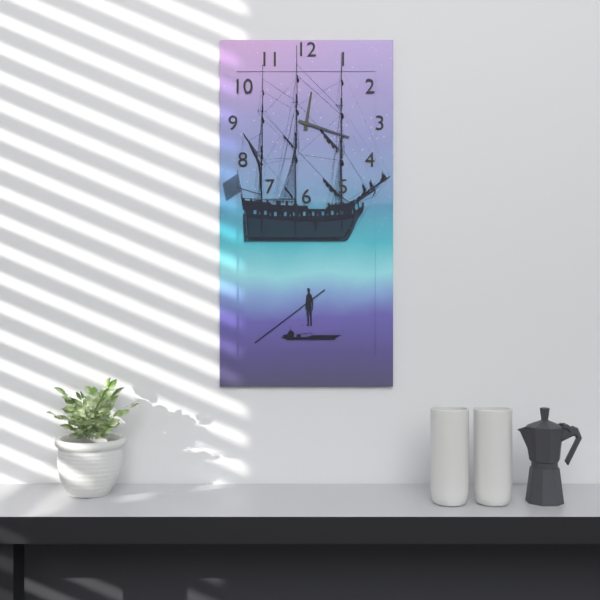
{"hour": 12, "minute": 18}
